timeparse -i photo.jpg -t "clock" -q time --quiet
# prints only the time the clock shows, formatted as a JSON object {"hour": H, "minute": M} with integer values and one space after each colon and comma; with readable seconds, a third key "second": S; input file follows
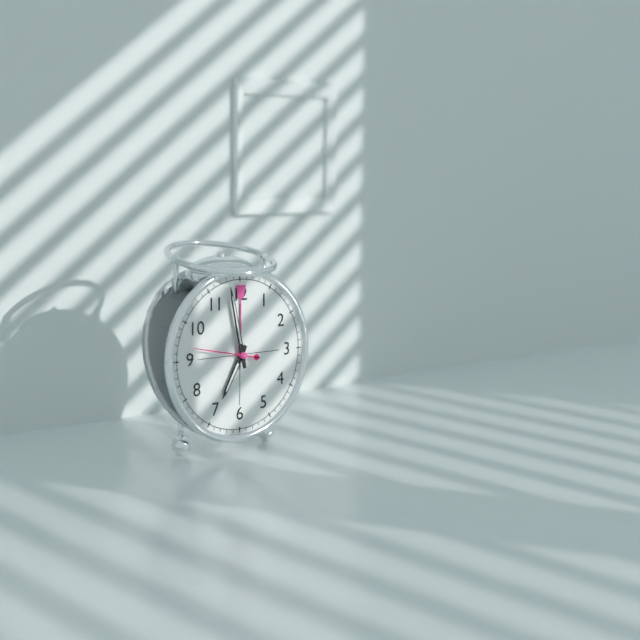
{"hour": 6, "minute": 58, "second": 47}
